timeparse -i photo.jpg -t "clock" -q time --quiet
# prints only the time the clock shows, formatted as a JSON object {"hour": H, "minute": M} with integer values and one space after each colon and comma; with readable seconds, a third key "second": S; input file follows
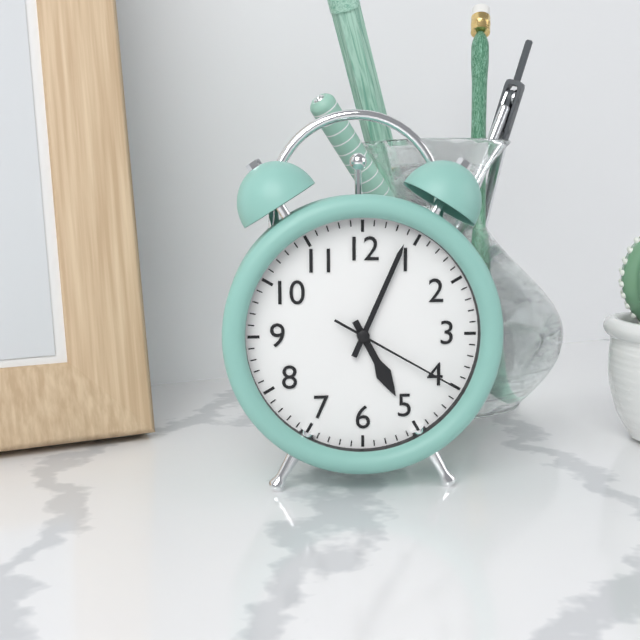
{"hour": 5, "minute": 4, "second": 20}
